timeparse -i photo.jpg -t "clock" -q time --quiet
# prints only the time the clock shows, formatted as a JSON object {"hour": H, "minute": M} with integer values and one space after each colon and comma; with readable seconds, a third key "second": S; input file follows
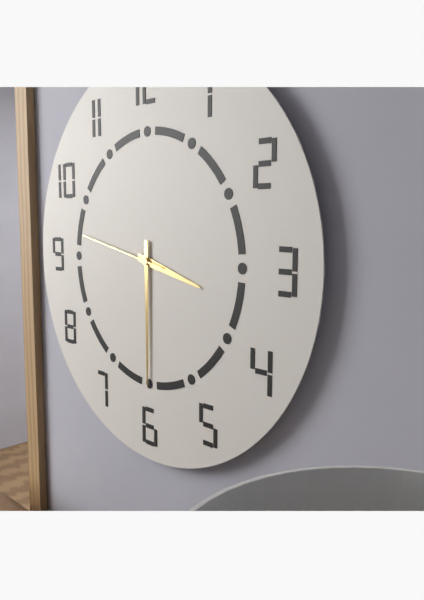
{"hour": 3, "minute": 30, "second": 47}
